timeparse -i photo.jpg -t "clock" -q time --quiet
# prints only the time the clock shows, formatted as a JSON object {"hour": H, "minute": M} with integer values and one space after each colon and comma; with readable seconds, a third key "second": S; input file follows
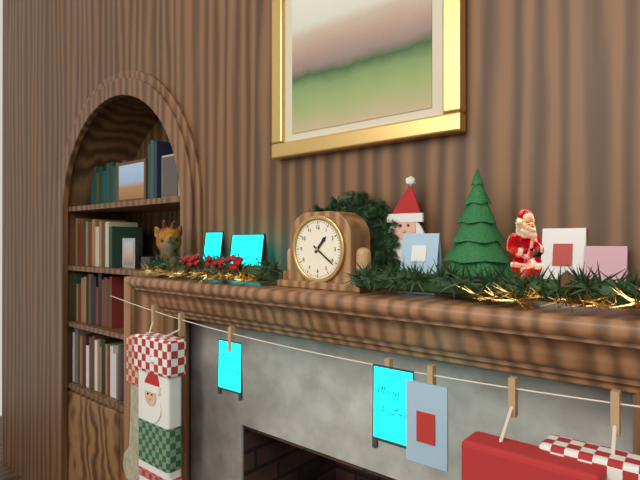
{"hour": 1, "minute": 21}
